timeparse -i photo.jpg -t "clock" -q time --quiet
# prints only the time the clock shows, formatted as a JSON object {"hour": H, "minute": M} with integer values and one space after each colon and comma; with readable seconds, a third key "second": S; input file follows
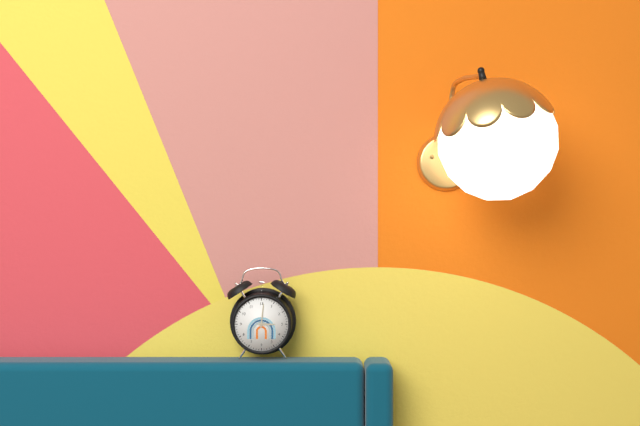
{"hour": 3, "minute": 1}
